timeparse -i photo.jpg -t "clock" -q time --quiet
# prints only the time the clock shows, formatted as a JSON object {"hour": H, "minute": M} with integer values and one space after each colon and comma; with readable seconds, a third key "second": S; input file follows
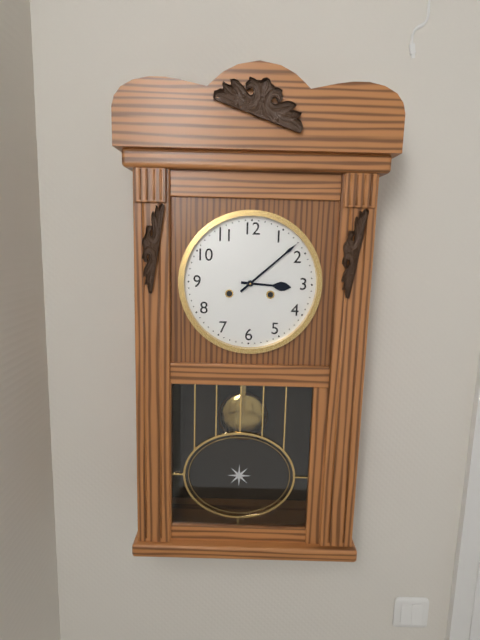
{"hour": 3, "minute": 8}
